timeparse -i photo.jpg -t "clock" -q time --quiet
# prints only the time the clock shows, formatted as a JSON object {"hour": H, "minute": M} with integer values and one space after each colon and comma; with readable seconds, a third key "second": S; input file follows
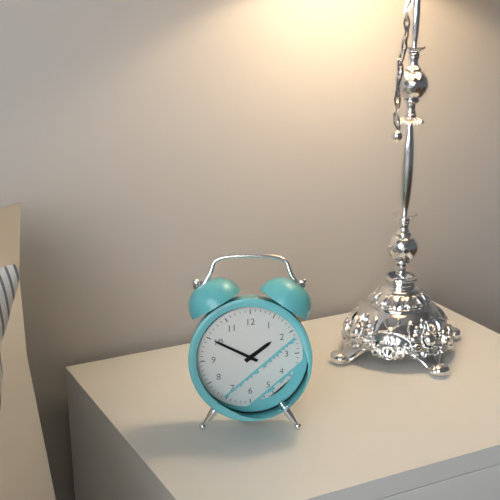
{"hour": 1, "minute": 50}
